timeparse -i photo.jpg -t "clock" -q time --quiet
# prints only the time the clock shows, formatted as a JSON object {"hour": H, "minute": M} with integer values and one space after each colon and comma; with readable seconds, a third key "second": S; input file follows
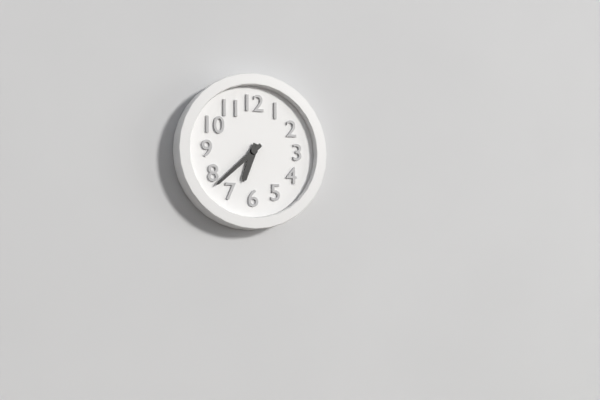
{"hour": 6, "minute": 38}
